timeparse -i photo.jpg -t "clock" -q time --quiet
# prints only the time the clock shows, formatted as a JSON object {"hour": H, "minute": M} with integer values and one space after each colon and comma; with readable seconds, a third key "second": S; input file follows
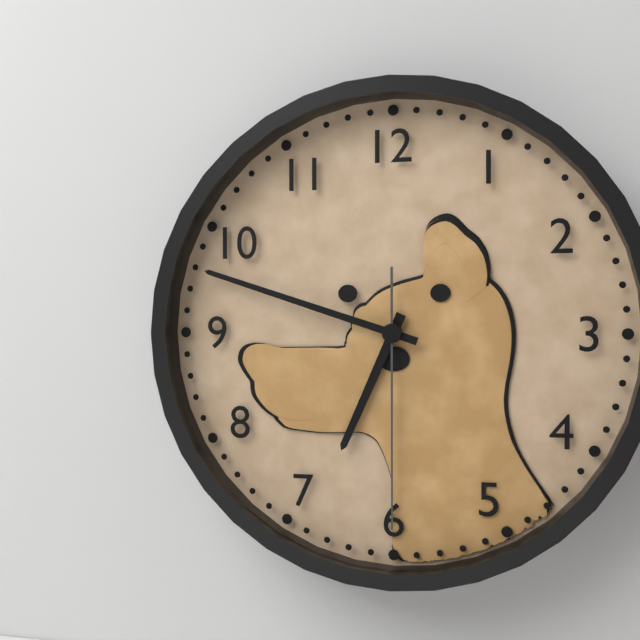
{"hour": 6, "minute": 48, "second": 30}
